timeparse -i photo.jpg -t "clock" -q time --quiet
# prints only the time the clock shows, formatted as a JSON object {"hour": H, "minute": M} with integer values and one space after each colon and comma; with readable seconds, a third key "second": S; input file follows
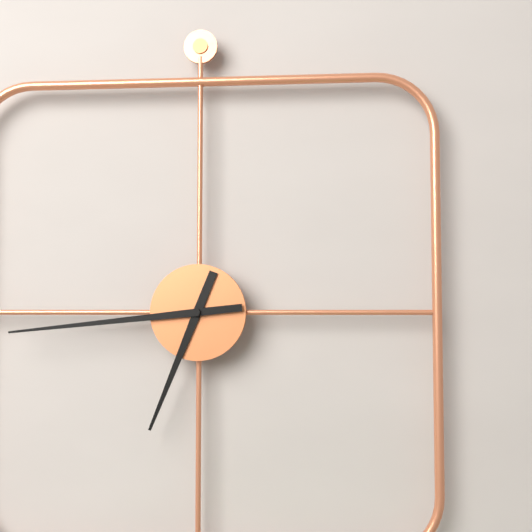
{"hour": 6, "minute": 44}
